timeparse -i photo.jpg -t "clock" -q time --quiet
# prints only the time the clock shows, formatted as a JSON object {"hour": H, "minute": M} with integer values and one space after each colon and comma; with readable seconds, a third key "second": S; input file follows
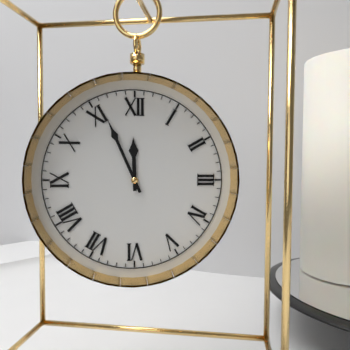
{"hour": 11, "minute": 56}
